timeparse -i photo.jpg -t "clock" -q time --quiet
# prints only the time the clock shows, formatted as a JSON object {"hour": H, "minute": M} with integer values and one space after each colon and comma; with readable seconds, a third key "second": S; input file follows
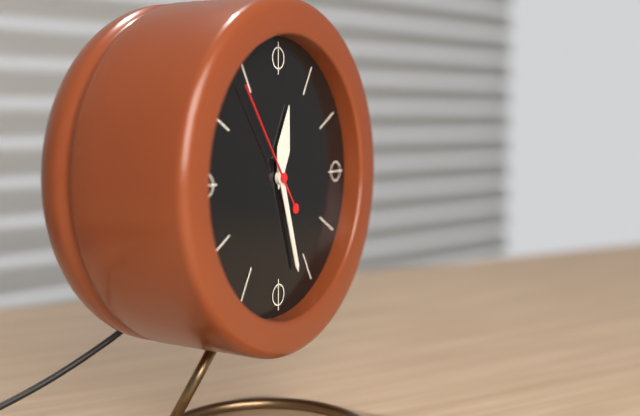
{"hour": 12, "minute": 27, "second": 54}
